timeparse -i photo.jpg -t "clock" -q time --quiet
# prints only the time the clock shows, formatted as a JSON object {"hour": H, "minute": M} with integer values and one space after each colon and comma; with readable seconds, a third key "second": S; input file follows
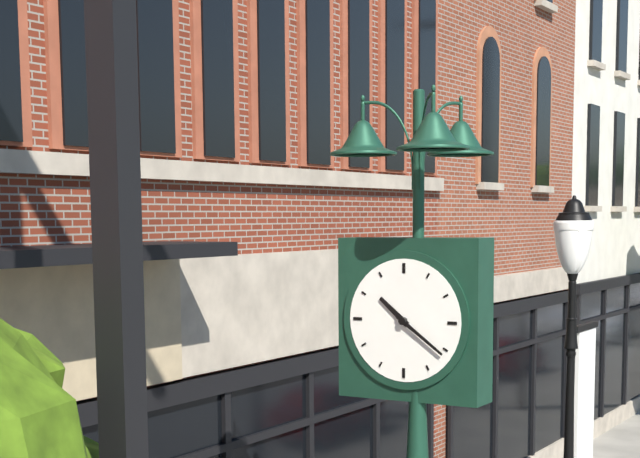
{"hour": 10, "minute": 21}
